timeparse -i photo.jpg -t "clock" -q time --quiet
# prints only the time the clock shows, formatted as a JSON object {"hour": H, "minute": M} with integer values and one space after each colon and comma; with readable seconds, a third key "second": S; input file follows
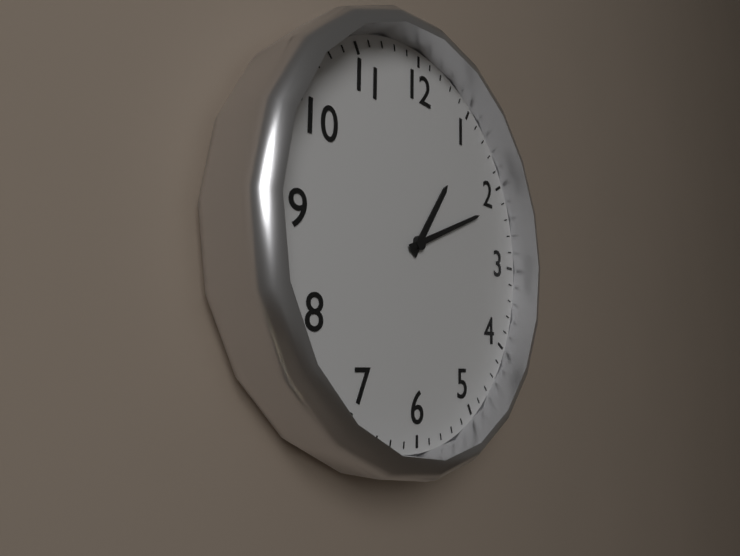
{"hour": 1, "minute": 11}
